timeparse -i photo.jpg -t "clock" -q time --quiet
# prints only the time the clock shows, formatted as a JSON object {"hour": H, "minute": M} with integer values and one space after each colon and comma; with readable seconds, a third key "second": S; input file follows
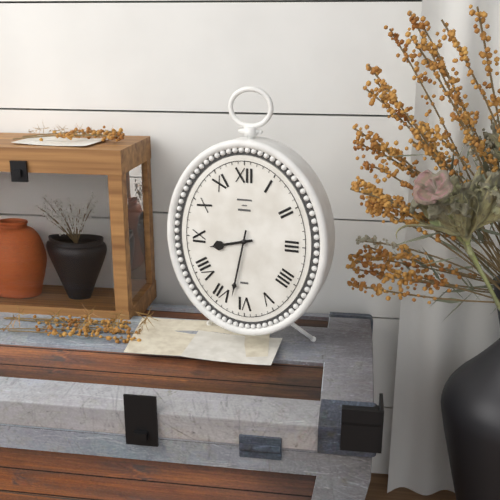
{"hour": 8, "minute": 32}
